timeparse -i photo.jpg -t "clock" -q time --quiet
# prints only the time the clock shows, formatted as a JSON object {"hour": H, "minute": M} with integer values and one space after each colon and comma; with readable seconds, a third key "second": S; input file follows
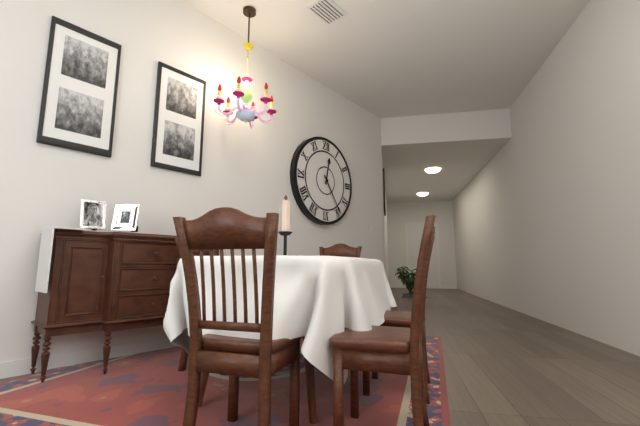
{"hour": 12, "minute": 24}
